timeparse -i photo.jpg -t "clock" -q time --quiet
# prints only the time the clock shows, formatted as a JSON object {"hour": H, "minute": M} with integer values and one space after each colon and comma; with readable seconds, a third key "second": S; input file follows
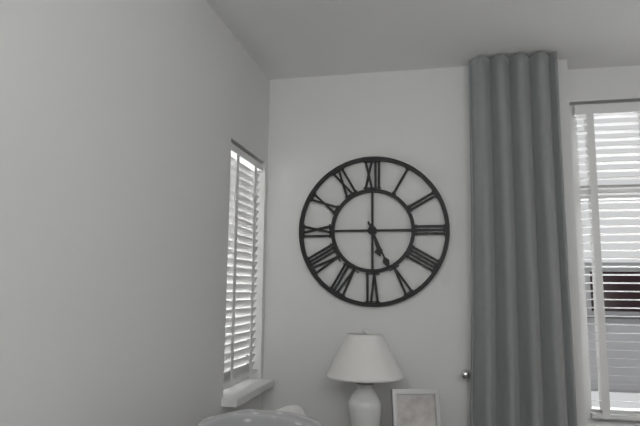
{"hour": 5, "minute": 26}
